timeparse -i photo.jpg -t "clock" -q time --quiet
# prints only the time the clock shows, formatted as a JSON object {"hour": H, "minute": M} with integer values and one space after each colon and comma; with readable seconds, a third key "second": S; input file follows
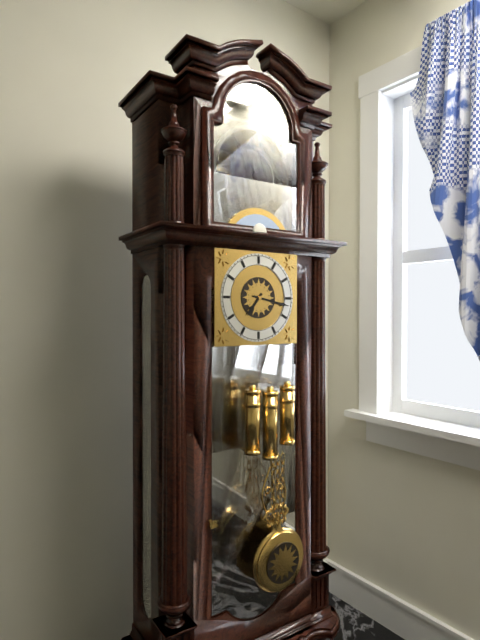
{"hour": 7, "minute": 17}
